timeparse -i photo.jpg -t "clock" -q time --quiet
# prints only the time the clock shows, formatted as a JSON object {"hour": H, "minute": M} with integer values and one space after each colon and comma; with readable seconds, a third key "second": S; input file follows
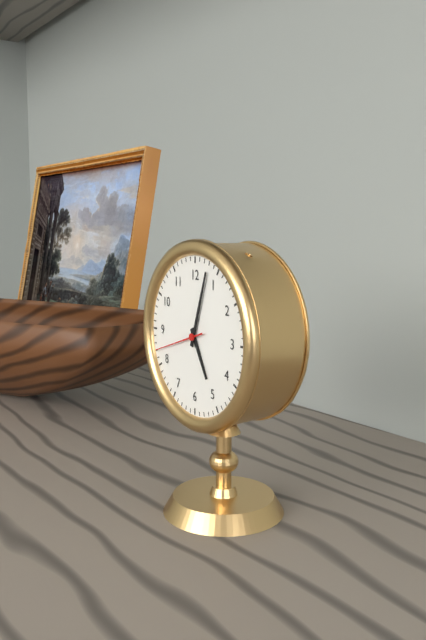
{"hour": 5, "minute": 3}
